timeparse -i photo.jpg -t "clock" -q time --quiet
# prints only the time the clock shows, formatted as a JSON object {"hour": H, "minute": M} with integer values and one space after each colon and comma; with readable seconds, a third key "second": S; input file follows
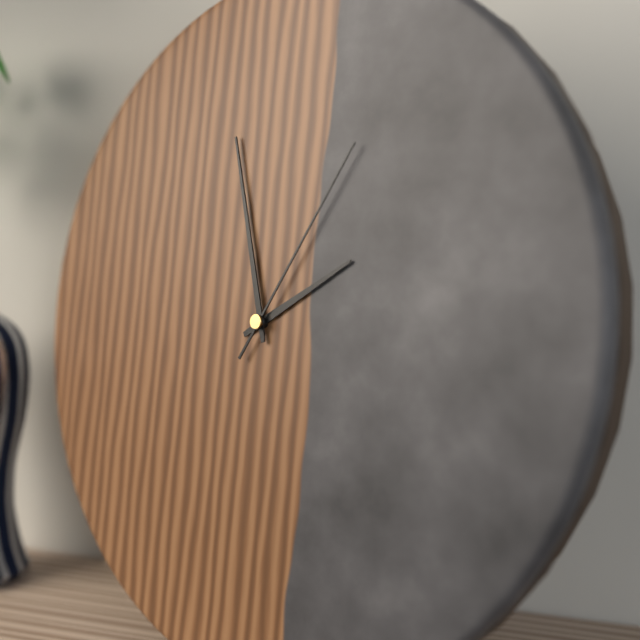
{"hour": 1, "minute": 57, "second": 5}
